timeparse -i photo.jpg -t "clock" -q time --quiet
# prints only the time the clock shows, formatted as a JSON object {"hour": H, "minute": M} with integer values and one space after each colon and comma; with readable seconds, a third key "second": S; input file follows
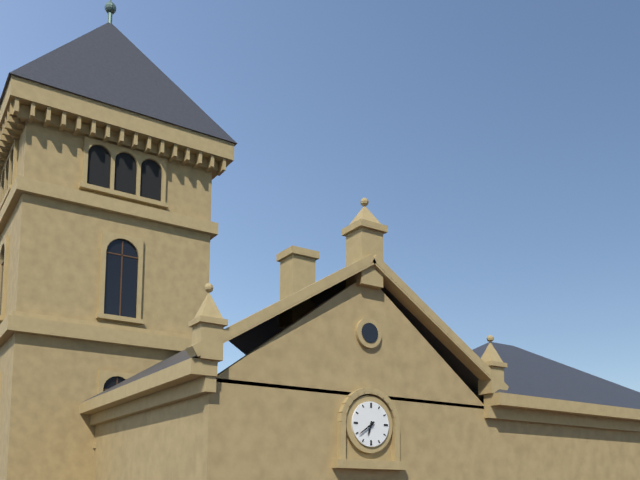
{"hour": 6, "minute": 39}
